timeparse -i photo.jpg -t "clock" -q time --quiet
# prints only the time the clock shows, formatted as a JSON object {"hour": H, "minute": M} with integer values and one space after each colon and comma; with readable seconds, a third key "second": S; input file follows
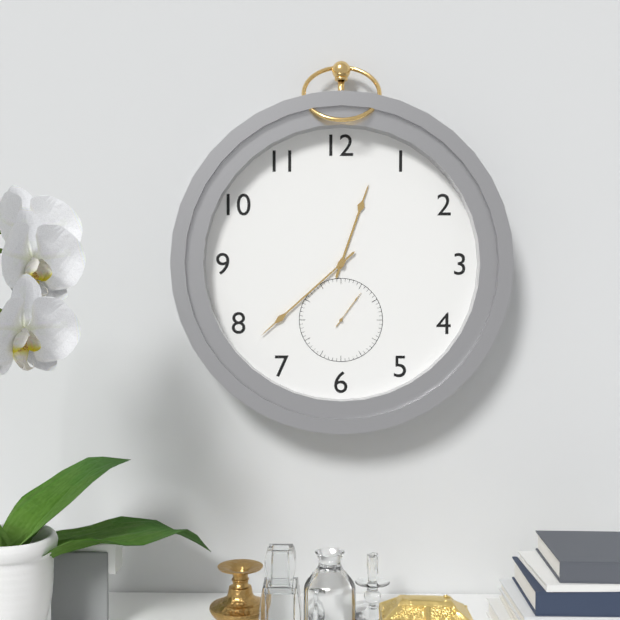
{"hour": 12, "minute": 38}
